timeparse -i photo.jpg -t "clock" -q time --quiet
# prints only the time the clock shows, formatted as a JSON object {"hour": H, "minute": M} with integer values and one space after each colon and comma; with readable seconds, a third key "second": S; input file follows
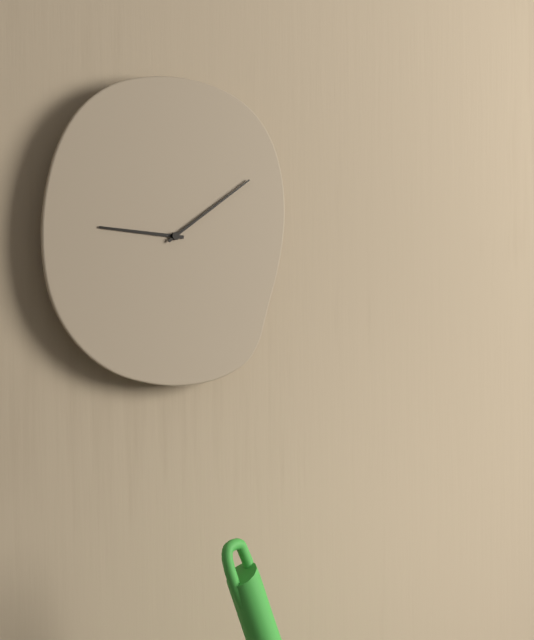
{"hour": 9, "minute": 9}
